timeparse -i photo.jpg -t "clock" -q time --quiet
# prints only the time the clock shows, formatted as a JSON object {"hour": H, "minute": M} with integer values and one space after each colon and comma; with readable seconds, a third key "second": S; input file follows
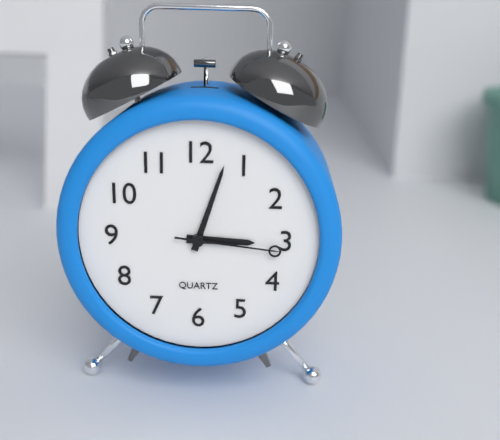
{"hour": 3, "minute": 3, "second": 16}
